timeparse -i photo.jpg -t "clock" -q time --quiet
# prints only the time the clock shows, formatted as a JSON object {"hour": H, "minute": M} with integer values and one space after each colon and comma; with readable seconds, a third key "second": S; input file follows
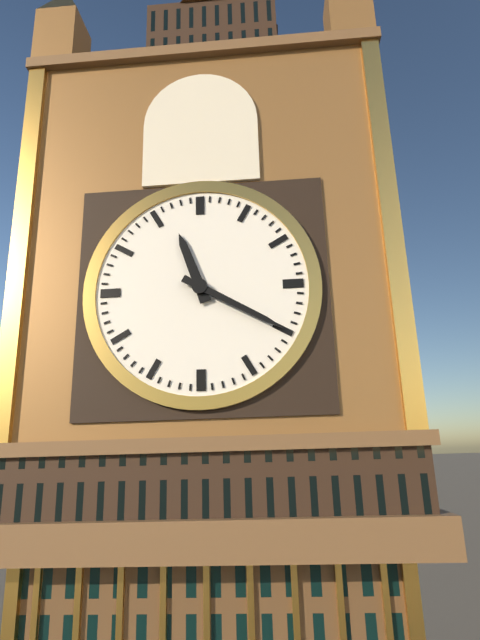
{"hour": 11, "minute": 20}
